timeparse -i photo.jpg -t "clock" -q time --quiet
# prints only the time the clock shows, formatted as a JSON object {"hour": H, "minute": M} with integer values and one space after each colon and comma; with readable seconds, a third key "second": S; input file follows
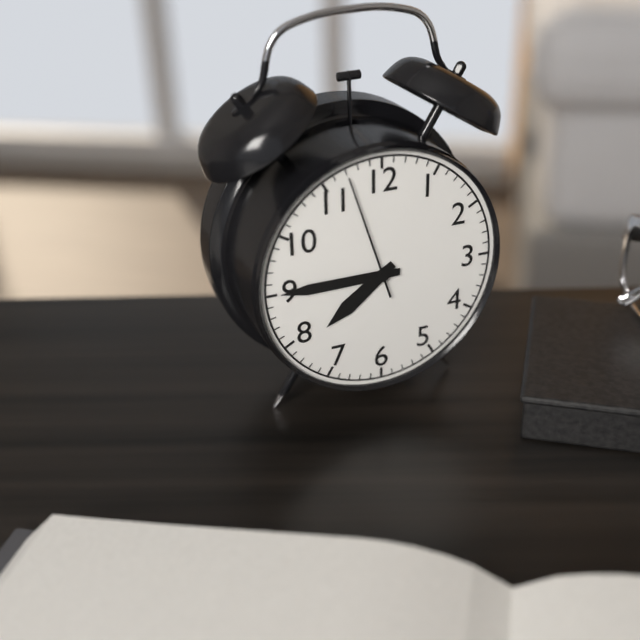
{"hour": 7, "minute": 45, "second": 57}
